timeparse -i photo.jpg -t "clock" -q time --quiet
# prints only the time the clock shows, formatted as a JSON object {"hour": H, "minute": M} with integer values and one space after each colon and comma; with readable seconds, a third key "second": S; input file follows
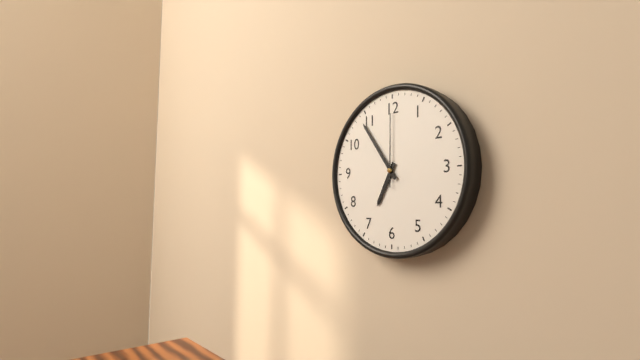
{"hour": 6, "minute": 54, "second": 0}
